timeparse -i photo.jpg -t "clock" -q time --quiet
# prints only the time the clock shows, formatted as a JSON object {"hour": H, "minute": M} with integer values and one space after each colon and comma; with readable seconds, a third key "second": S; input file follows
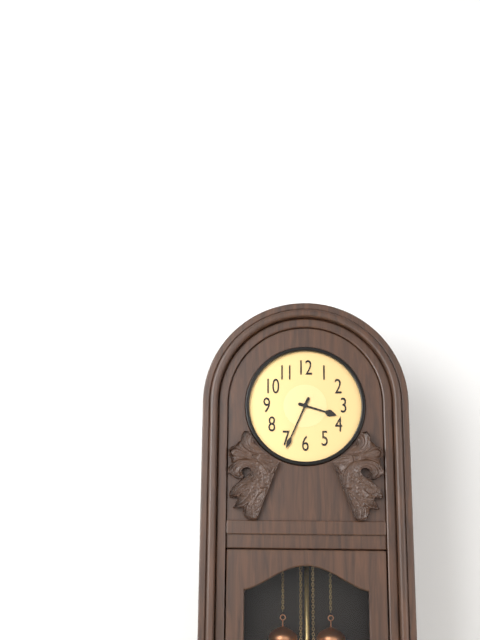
{"hour": 3, "minute": 34}
